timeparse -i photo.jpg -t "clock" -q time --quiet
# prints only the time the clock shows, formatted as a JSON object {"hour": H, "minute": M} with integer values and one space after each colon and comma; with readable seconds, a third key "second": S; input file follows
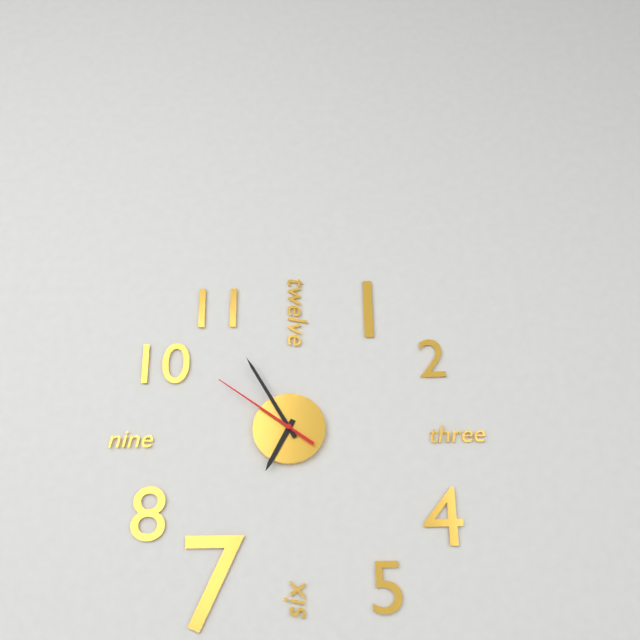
{"hour": 6, "minute": 55, "second": 51}
